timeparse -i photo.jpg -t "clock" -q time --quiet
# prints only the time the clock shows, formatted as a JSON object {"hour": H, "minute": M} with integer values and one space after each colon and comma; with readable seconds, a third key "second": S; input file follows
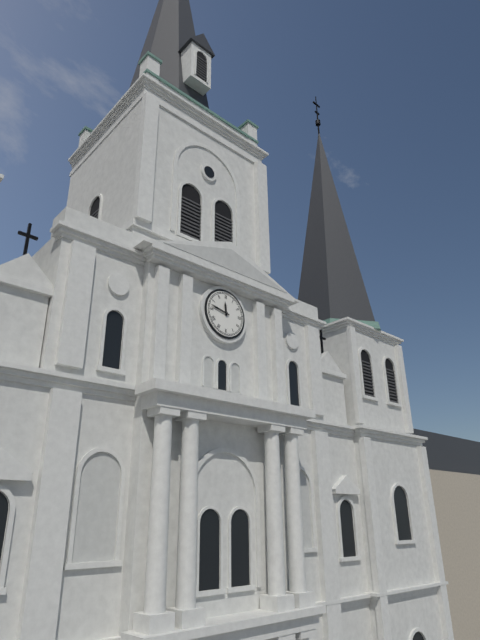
{"hour": 11, "minute": 47}
